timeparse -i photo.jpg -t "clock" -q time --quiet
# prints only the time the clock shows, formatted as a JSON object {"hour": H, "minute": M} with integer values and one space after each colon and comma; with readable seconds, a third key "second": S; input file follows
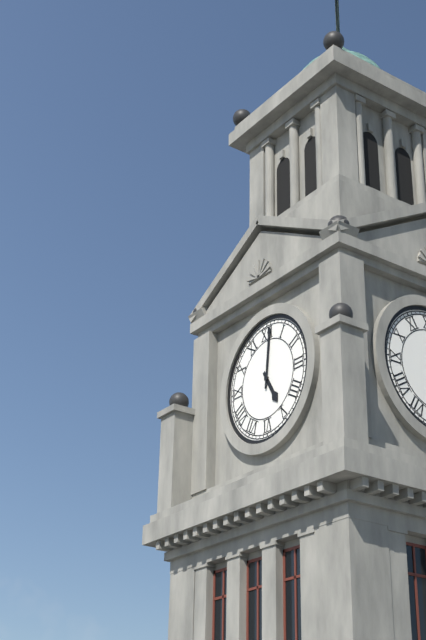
{"hour": 5, "minute": 1}
